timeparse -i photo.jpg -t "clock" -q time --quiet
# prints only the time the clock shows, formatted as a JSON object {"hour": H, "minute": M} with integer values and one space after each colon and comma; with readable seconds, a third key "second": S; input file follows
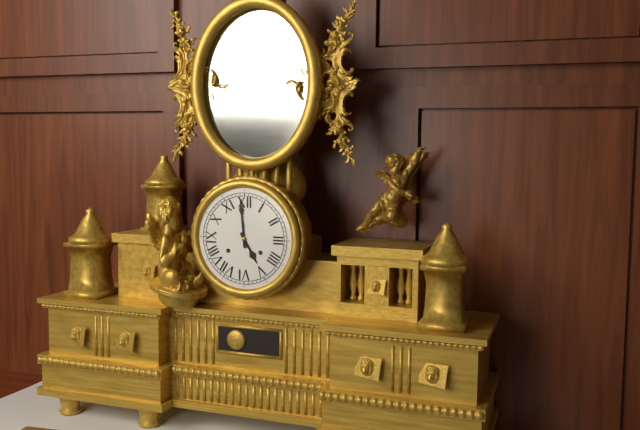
{"hour": 4, "minute": 59}
